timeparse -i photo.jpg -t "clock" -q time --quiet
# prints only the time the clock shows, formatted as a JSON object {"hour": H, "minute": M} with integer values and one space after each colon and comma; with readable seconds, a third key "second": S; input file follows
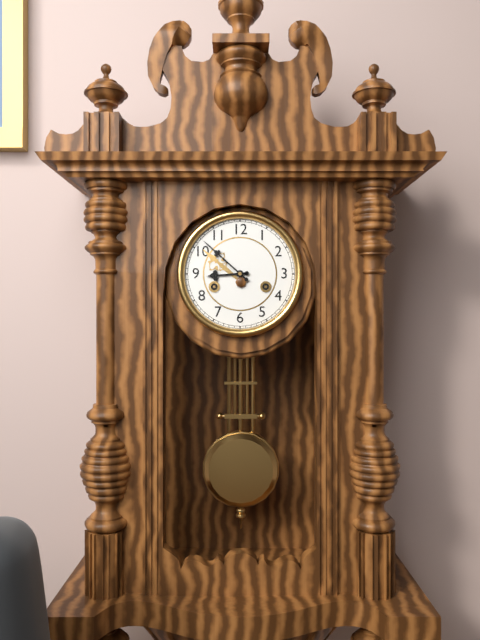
{"hour": 8, "minute": 52}
